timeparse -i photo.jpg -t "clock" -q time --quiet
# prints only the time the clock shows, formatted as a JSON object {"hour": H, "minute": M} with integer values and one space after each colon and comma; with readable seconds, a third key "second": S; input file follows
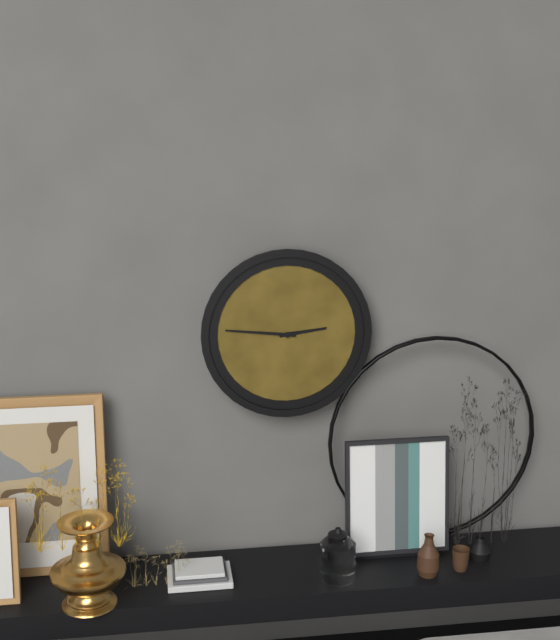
{"hour": 2, "minute": 46}
